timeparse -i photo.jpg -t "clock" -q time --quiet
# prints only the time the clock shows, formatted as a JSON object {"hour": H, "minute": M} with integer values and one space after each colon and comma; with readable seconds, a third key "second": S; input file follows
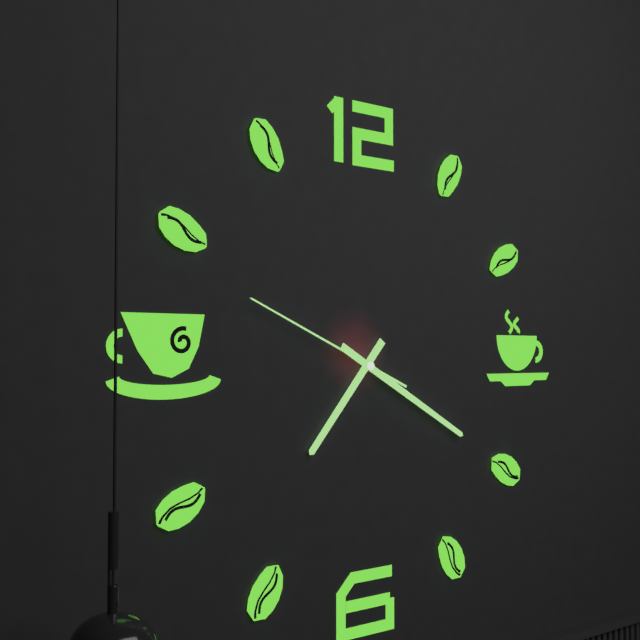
{"hour": 7, "minute": 20, "second": 49}
